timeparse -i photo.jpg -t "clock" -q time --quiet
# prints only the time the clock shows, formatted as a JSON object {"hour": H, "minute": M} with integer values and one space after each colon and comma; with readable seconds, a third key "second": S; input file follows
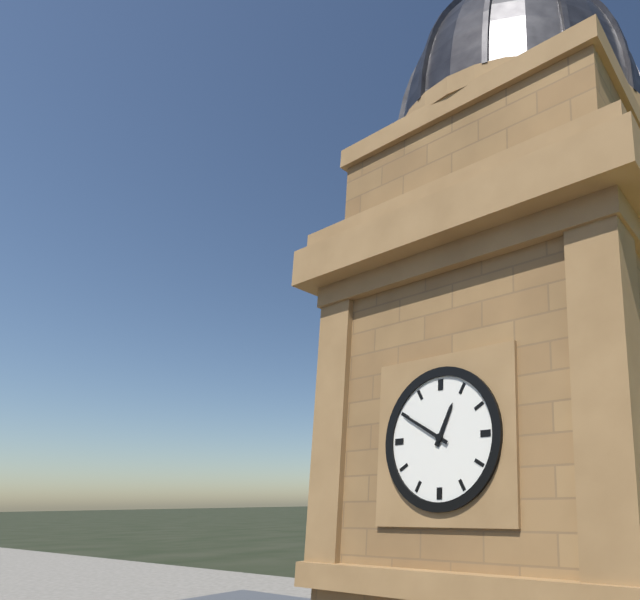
{"hour": 12, "minute": 50}
